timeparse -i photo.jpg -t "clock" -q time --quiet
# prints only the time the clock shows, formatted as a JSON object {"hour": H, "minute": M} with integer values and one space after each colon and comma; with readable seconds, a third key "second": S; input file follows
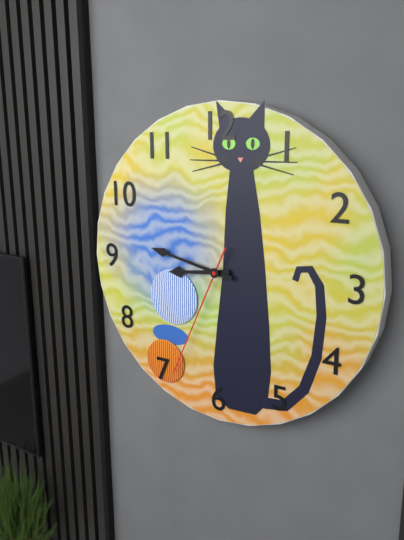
{"hour": 8, "minute": 47, "second": 34}
